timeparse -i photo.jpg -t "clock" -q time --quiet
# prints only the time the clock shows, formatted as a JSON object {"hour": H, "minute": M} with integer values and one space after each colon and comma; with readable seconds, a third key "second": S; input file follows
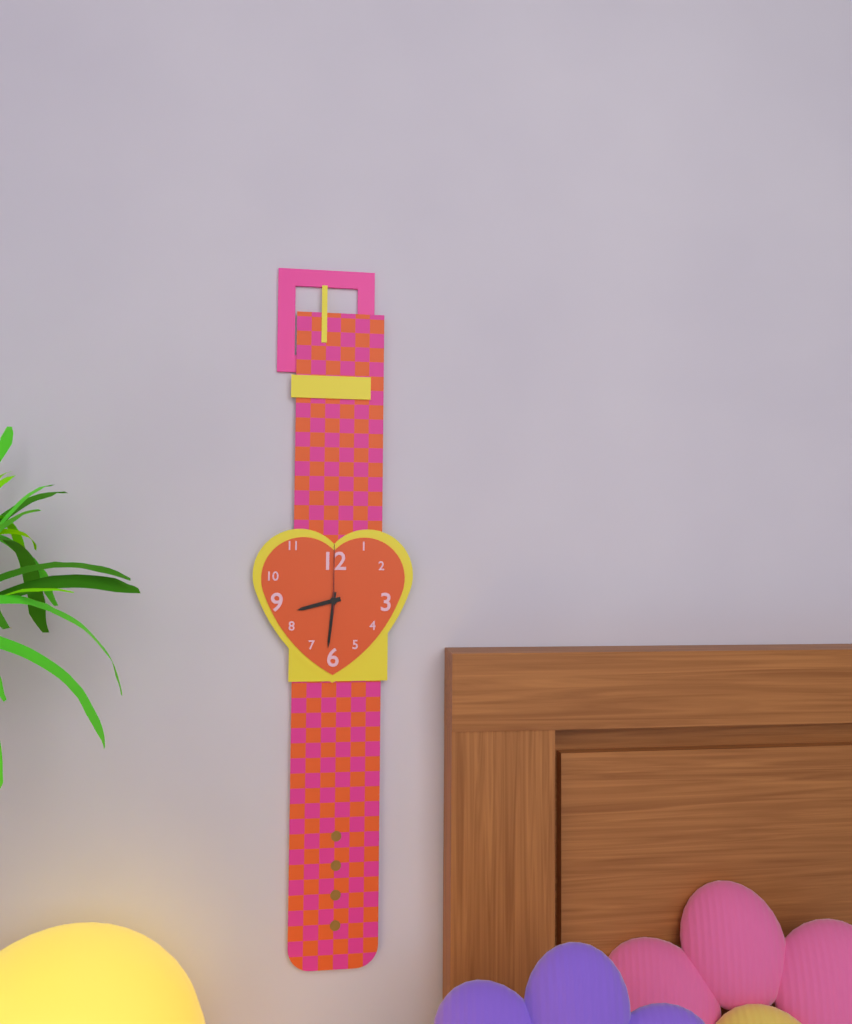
{"hour": 8, "minute": 31, "second": 0}
